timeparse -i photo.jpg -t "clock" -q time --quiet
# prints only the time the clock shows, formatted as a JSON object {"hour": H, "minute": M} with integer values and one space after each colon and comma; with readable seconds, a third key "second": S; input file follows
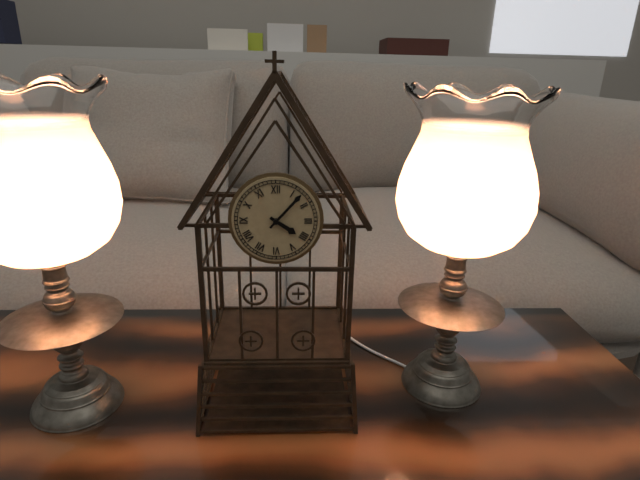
{"hour": 4, "minute": 7}
